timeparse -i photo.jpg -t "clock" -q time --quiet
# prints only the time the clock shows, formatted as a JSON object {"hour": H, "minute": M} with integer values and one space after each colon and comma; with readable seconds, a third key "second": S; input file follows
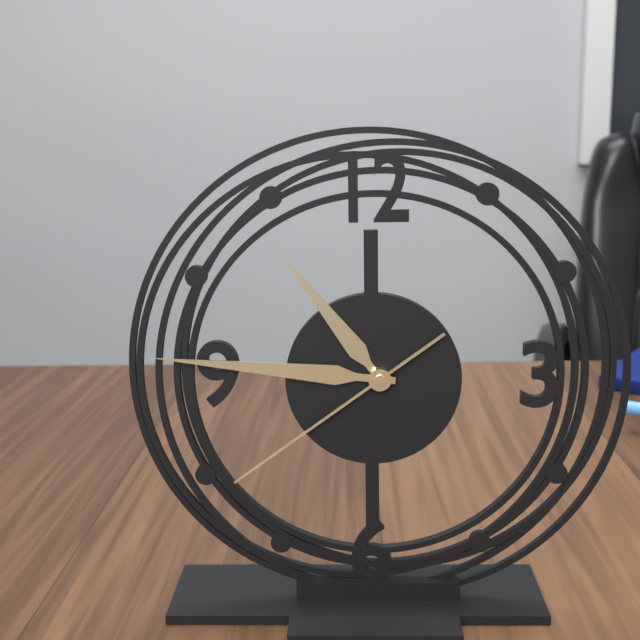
{"hour": 10, "minute": 46, "second": 39}
